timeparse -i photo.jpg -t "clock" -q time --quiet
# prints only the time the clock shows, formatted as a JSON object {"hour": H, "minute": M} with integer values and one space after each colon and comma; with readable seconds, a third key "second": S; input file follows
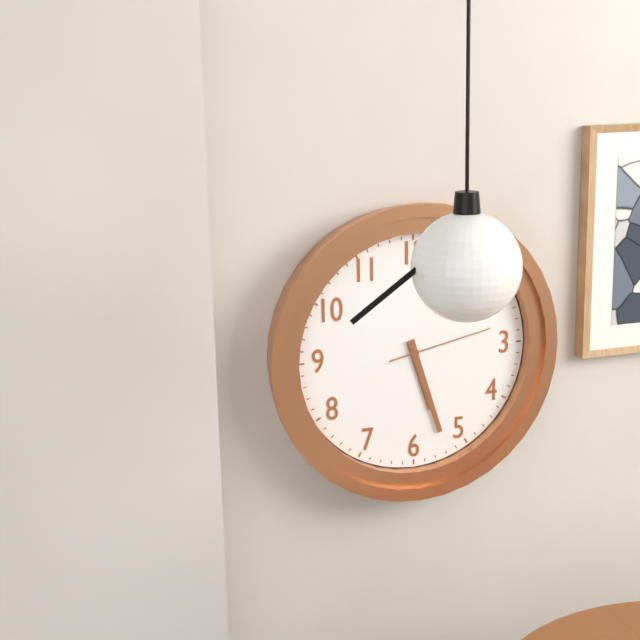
{"hour": 5, "minute": 27, "second": 13}
